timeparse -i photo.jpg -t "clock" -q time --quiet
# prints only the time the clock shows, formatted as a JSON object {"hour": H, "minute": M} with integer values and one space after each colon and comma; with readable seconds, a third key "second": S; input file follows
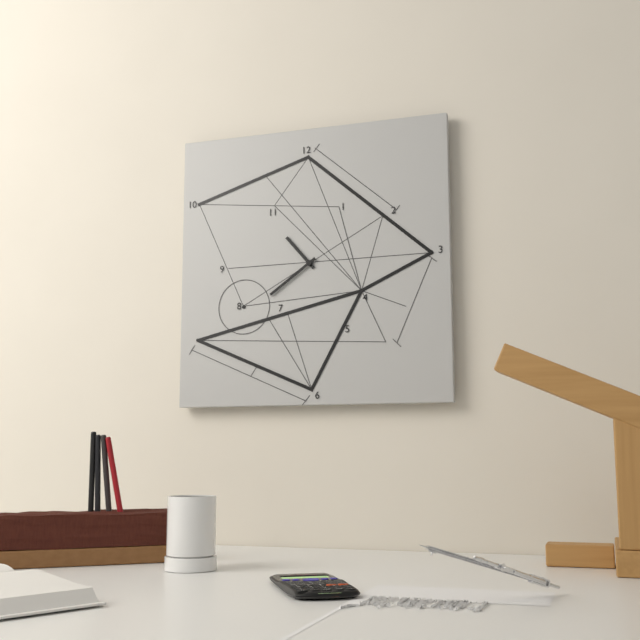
{"hour": 10, "minute": 39}
